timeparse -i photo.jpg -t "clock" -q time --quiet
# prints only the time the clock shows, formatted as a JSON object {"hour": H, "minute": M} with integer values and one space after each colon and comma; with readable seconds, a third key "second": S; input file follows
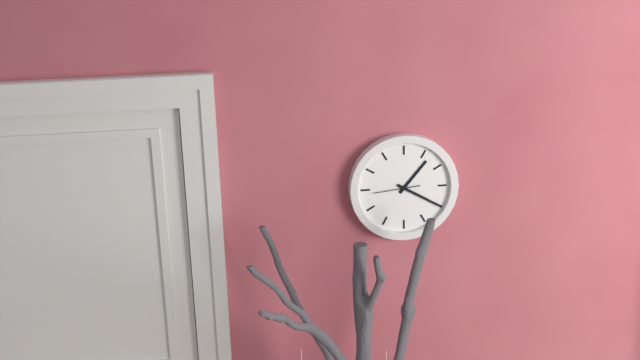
{"hour": 1, "minute": 20}
